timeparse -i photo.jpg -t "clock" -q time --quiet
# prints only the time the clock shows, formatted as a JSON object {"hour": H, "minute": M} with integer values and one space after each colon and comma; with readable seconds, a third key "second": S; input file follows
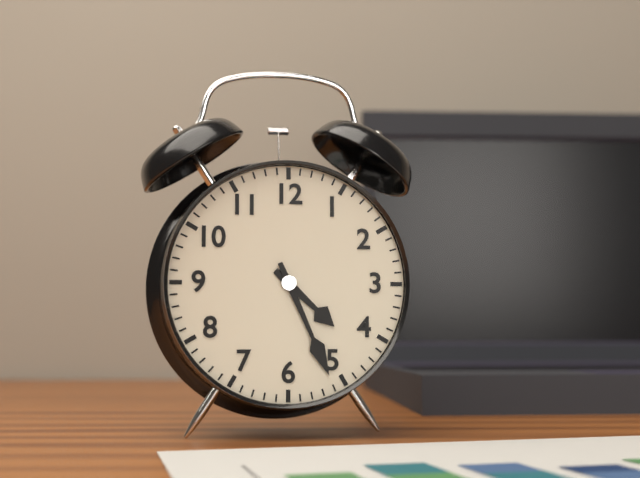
{"hour": 4, "minute": 26}
